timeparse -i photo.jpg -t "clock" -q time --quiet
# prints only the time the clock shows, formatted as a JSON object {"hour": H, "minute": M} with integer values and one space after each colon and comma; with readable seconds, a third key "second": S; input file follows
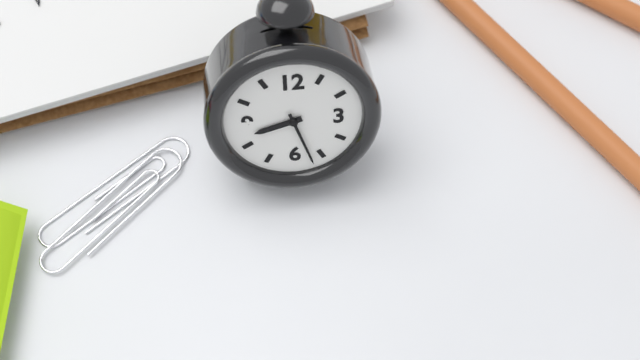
{"hour": 8, "minute": 27}
